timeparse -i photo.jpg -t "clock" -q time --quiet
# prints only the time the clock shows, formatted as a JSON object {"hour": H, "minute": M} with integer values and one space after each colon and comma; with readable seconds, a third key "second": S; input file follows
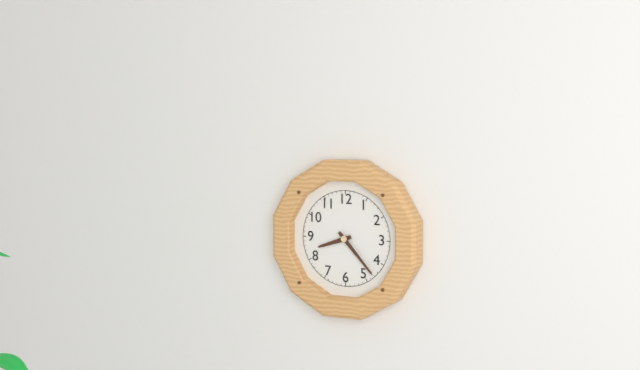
{"hour": 8, "minute": 23}
